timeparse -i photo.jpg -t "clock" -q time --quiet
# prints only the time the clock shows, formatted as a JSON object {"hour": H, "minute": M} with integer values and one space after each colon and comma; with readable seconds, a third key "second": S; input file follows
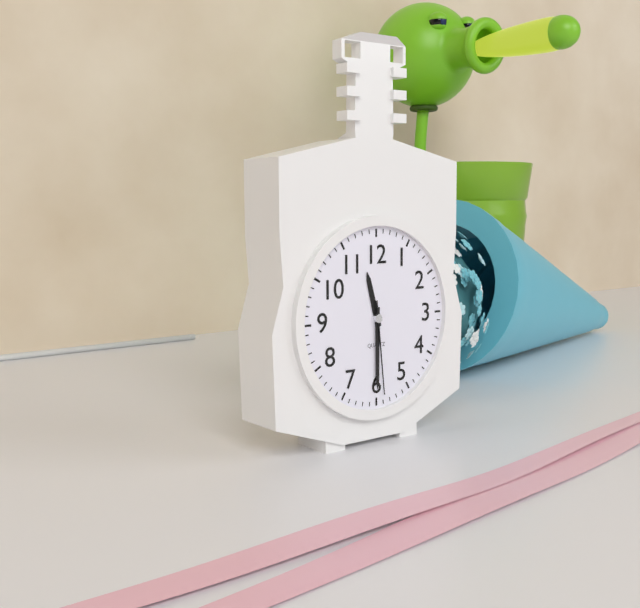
{"hour": 11, "minute": 30, "second": 29}
